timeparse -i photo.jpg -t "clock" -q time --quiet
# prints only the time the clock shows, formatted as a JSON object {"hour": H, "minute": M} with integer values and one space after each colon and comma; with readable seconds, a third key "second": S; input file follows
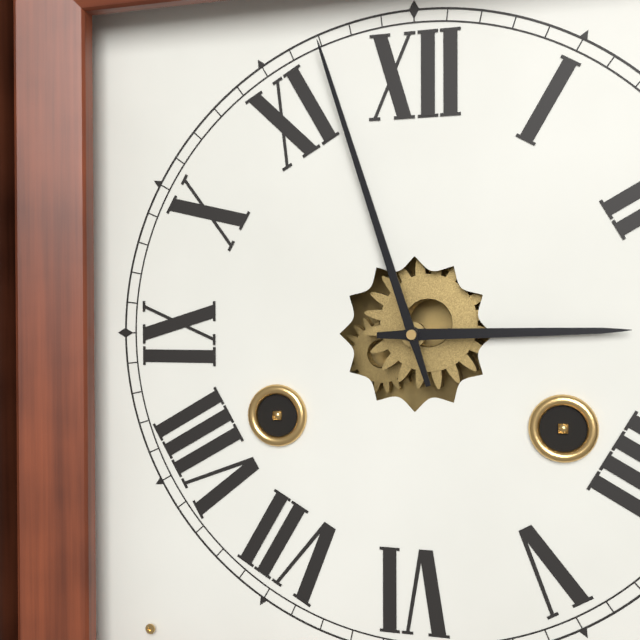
{"hour": 2, "minute": 57}
